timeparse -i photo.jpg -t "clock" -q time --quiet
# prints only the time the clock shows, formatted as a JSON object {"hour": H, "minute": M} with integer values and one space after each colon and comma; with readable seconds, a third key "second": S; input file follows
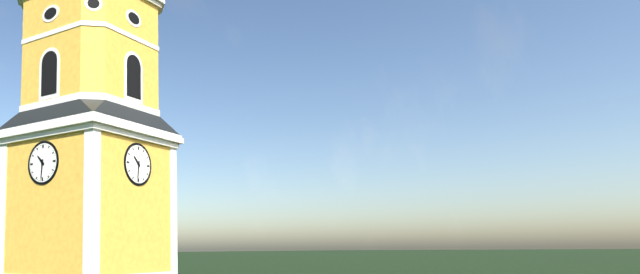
{"hour": 10, "minute": 31}
